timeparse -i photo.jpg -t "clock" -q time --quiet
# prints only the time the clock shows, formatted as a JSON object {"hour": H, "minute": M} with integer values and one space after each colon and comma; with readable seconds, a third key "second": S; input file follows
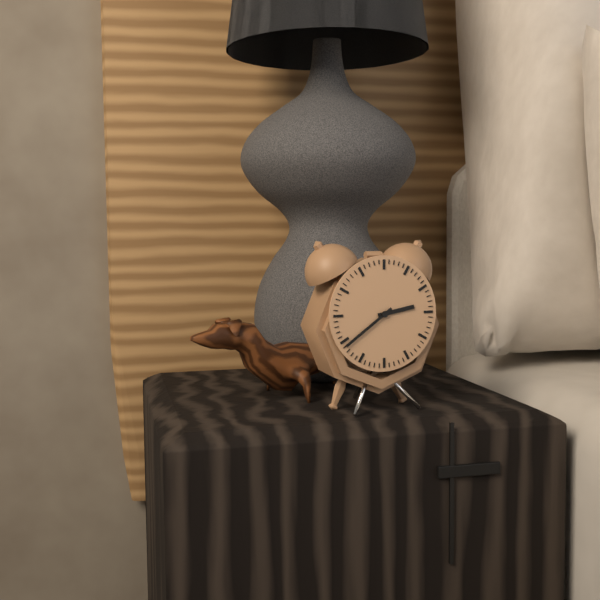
{"hour": 2, "minute": 39}
